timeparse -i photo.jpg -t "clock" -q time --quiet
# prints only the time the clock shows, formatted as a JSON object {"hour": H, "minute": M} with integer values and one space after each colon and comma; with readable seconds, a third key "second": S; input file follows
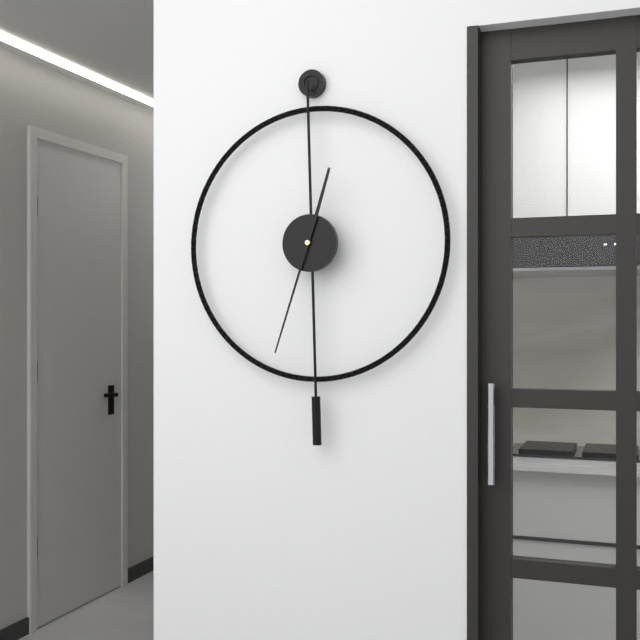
{"hour": 12, "minute": 33}
